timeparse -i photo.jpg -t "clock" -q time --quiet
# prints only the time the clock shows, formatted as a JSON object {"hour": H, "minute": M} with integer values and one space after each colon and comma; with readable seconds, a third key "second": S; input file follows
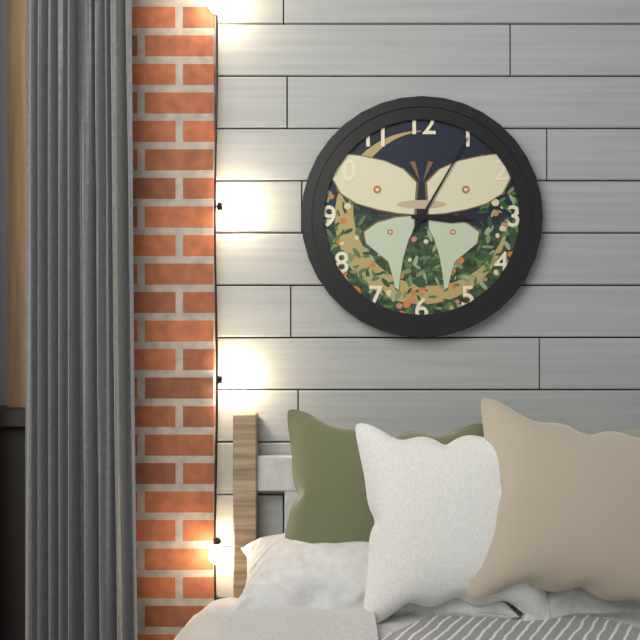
{"hour": 3, "minute": 5}
